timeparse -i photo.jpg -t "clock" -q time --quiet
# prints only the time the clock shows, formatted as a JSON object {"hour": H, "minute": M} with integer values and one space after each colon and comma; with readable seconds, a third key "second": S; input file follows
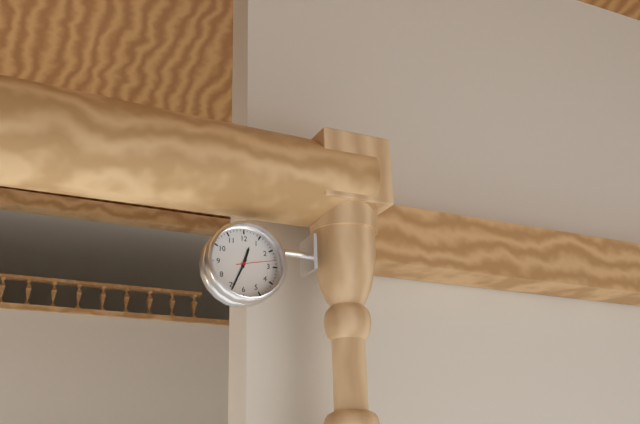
{"hour": 12, "minute": 34}
